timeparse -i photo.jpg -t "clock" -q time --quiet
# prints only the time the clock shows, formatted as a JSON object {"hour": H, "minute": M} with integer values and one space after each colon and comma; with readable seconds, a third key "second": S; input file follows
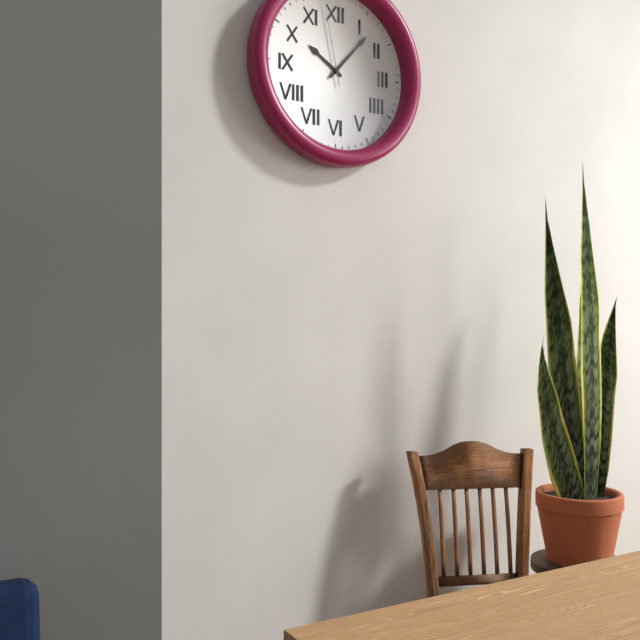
{"hour": 10, "minute": 7, "second": 58}
